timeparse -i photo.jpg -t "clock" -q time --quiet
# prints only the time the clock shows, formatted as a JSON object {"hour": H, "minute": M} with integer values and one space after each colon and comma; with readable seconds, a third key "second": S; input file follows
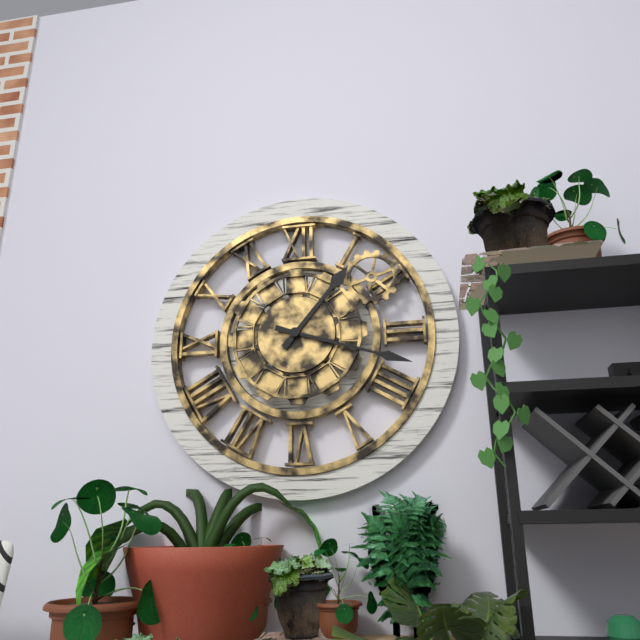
{"hour": 1, "minute": 18}
